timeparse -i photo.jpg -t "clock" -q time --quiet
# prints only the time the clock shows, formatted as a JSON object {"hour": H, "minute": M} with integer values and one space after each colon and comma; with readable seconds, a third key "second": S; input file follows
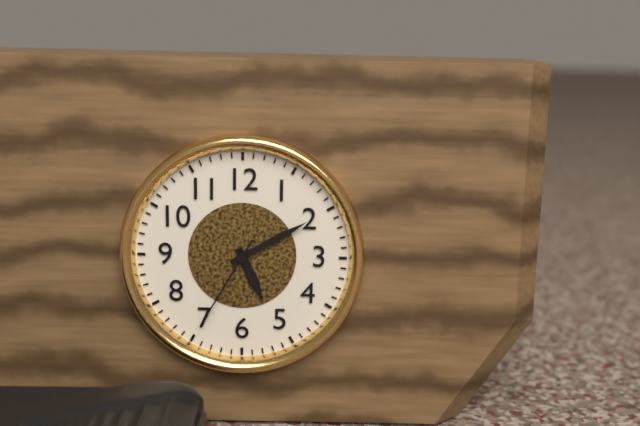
{"hour": 5, "minute": 10, "second": 35}
